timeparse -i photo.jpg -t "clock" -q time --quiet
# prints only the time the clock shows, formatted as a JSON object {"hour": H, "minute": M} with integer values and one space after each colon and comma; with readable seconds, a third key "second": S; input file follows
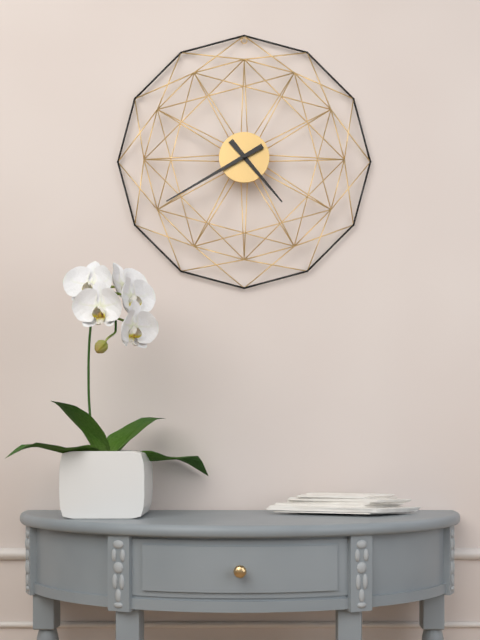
{"hour": 4, "minute": 40}
